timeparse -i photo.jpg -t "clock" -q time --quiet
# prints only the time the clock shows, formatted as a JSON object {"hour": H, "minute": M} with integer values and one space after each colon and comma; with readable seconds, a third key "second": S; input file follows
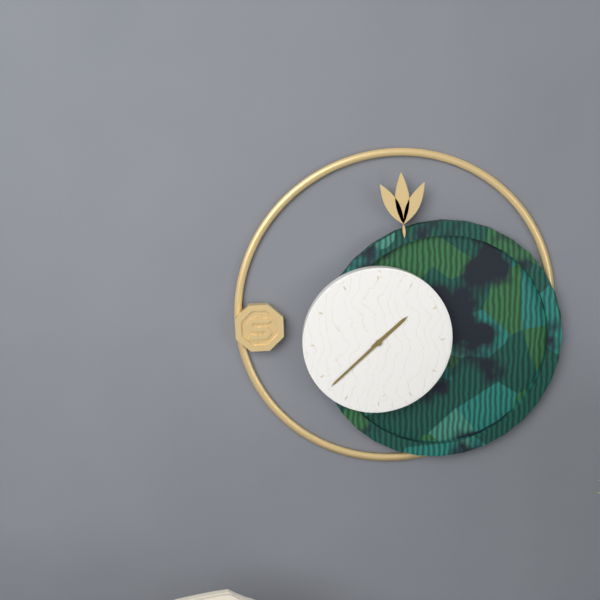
{"hour": 1, "minute": 38}
